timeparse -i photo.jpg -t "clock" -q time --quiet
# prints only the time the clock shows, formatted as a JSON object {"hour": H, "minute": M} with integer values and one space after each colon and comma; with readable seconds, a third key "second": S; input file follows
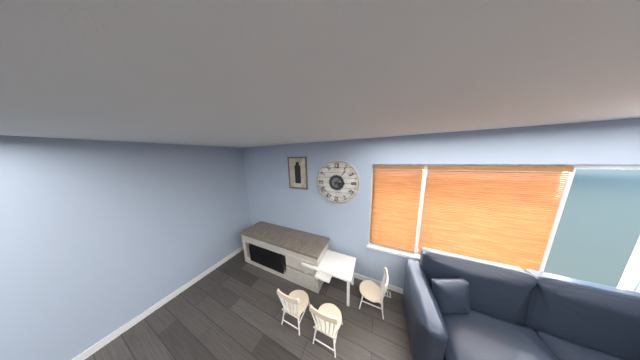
{"hour": 3, "minute": 6}
